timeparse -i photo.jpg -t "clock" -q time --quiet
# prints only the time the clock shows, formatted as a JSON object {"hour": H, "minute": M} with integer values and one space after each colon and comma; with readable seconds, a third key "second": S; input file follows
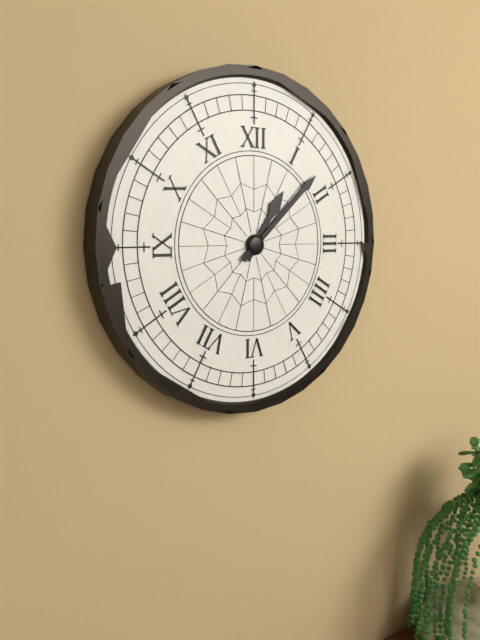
{"hour": 1, "minute": 8}
